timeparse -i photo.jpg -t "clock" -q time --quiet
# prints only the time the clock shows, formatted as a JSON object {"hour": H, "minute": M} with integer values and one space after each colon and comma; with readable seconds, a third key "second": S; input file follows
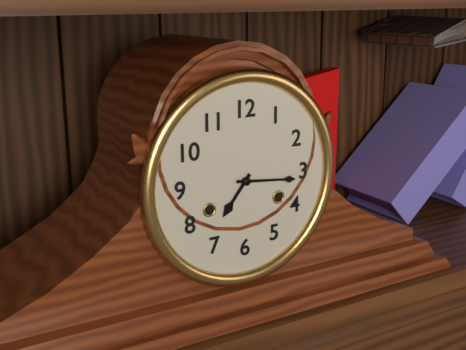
{"hour": 7, "minute": 16}
